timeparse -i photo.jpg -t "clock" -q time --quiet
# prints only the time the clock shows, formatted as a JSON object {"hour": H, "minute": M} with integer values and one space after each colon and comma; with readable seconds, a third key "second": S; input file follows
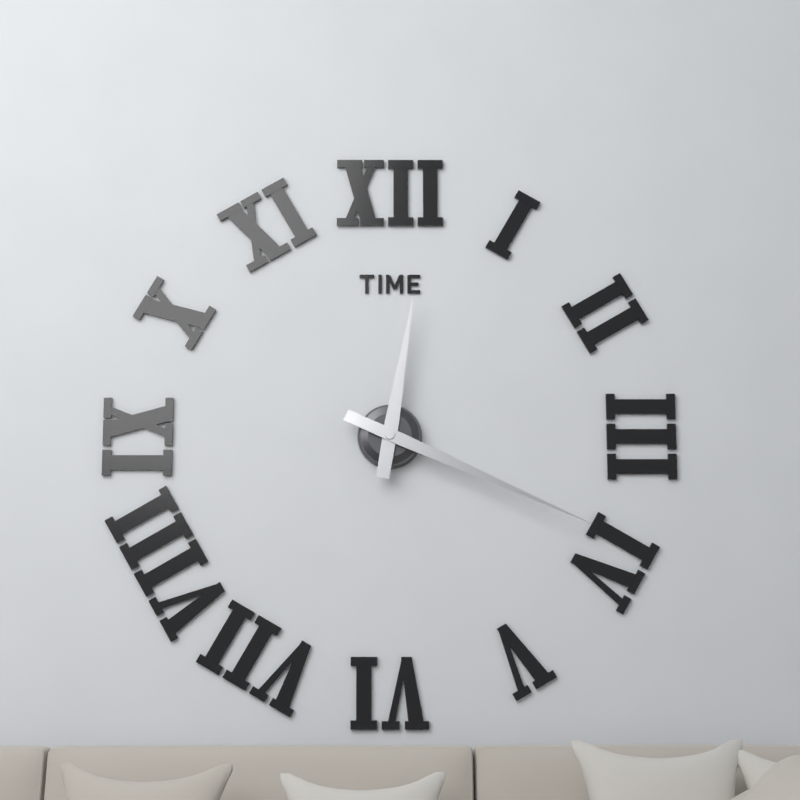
{"hour": 12, "minute": 19}
